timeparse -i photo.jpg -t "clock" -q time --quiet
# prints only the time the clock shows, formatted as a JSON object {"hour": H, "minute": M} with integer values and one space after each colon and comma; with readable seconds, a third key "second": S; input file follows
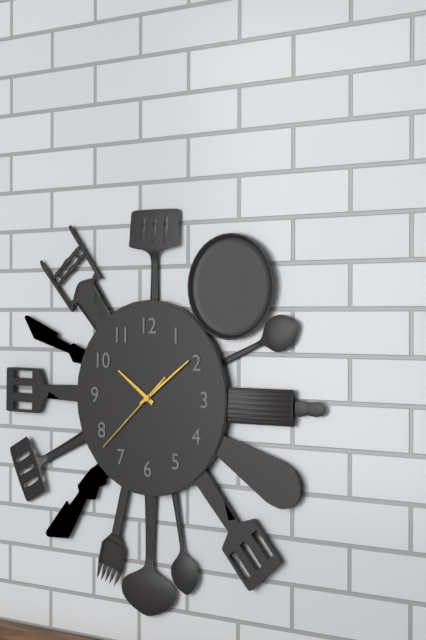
{"hour": 10, "minute": 9, "second": 38}
